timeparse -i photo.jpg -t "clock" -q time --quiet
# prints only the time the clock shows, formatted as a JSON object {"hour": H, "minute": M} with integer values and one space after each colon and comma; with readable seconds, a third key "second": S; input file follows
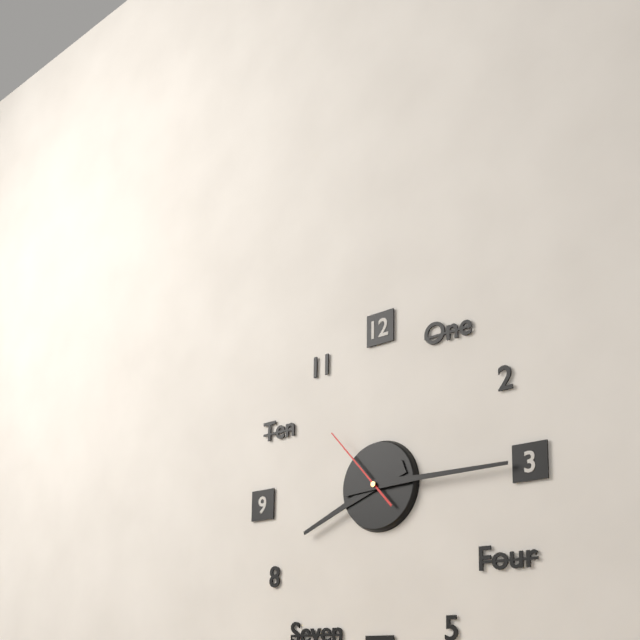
{"hour": 8, "minute": 15, "second": 53}
